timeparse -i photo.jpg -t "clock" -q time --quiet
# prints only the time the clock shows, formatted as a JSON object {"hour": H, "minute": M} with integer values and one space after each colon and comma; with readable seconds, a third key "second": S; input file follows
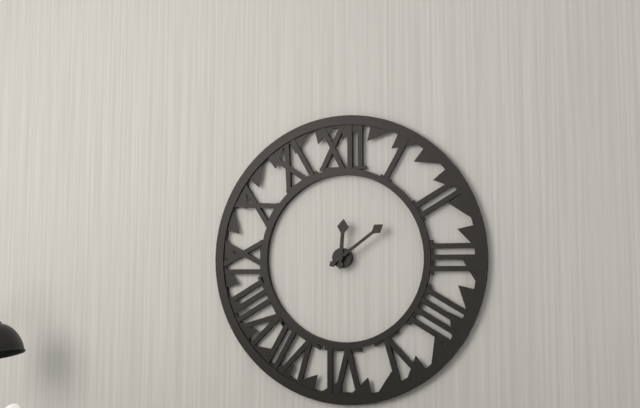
{"hour": 12, "minute": 9}
